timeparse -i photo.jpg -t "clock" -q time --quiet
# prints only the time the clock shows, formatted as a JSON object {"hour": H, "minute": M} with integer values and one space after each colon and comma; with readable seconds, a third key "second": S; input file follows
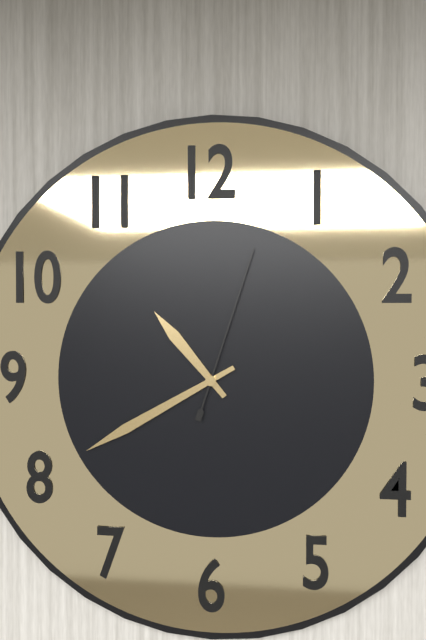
{"hour": 10, "minute": 40, "second": 3}
